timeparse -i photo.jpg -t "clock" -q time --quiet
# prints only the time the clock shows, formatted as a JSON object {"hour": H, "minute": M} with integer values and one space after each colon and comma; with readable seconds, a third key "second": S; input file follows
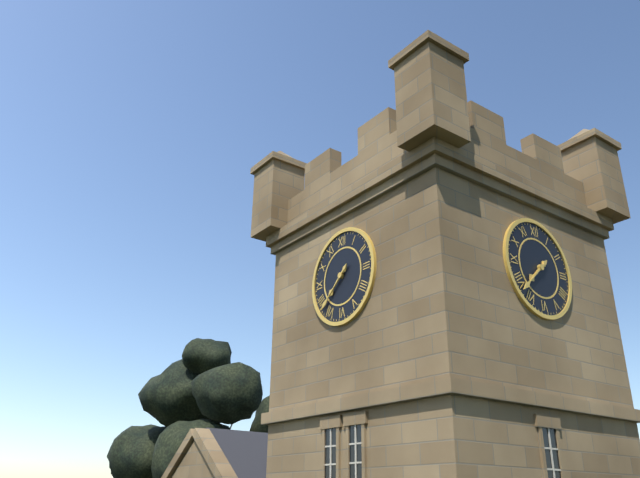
{"hour": 7, "minute": 38}
